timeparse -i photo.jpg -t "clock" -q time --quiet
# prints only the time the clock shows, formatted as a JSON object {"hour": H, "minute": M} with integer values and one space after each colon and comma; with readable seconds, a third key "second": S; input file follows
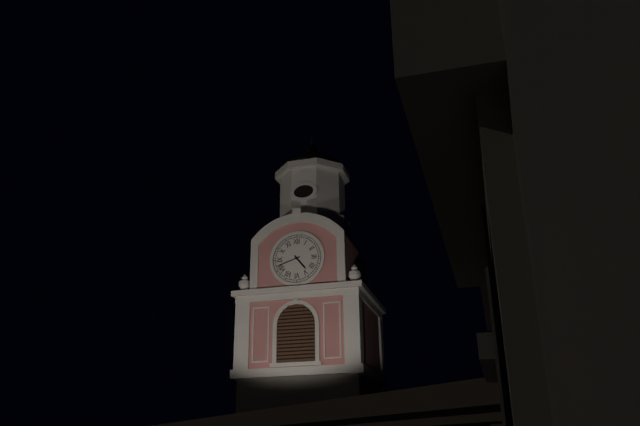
{"hour": 4, "minute": 42}
